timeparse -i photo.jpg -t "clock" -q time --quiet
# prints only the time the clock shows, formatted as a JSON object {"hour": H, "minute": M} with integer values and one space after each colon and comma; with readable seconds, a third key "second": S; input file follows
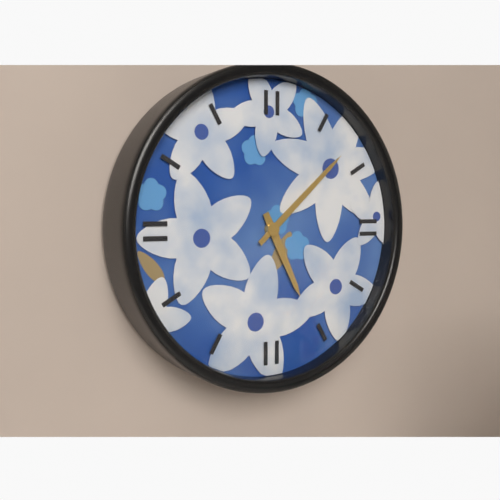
{"hour": 5, "minute": 8}
